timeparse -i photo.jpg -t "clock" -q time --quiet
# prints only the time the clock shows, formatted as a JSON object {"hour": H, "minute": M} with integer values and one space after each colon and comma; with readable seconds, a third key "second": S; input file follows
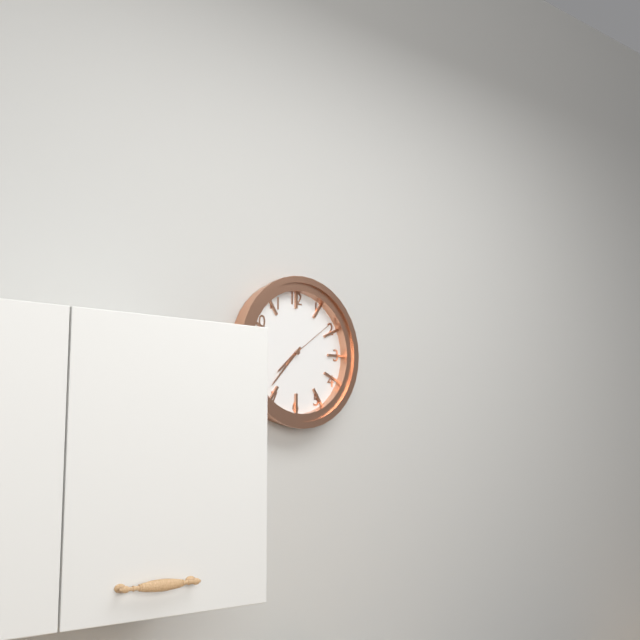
{"hour": 7, "minute": 37, "second": 9}
